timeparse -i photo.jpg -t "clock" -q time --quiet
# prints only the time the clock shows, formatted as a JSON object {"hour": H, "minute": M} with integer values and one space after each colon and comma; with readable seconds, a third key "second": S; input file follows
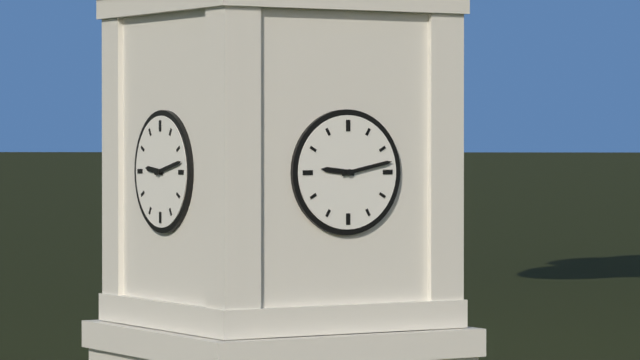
{"hour": 9, "minute": 13}
